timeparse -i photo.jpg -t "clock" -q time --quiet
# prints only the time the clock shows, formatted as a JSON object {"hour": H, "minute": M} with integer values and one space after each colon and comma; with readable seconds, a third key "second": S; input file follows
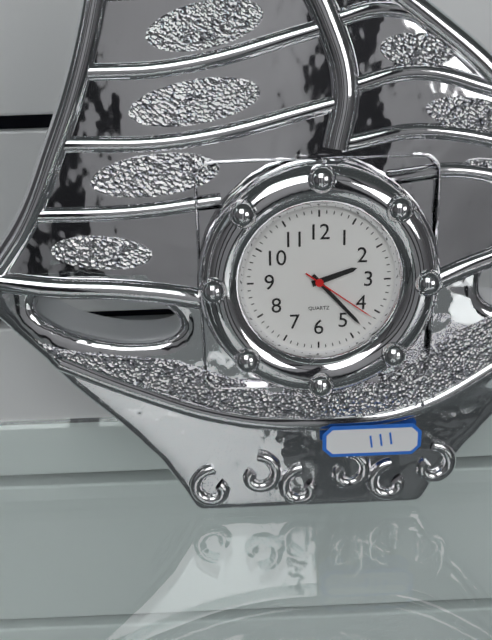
{"hour": 2, "minute": 23, "second": 21}
